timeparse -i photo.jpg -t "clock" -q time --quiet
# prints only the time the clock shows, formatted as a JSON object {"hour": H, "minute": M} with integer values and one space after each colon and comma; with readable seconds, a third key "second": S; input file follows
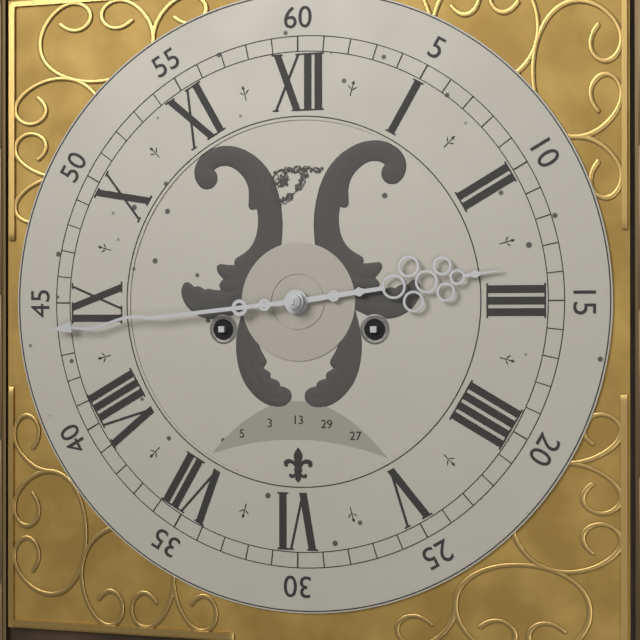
{"hour": 2, "minute": 44}
